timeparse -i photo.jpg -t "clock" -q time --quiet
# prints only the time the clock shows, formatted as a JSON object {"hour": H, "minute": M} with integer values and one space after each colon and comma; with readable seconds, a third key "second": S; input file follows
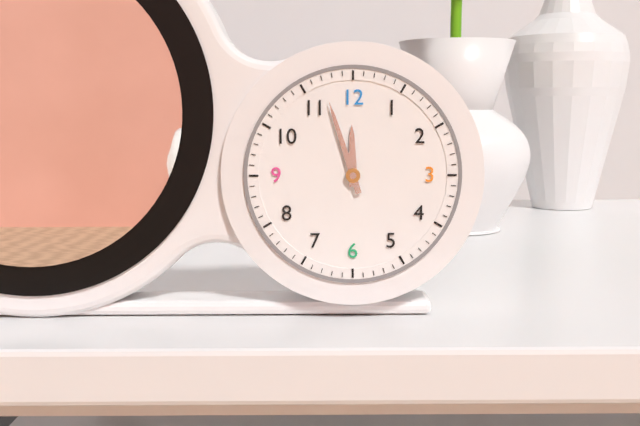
{"hour": 11, "minute": 57}
